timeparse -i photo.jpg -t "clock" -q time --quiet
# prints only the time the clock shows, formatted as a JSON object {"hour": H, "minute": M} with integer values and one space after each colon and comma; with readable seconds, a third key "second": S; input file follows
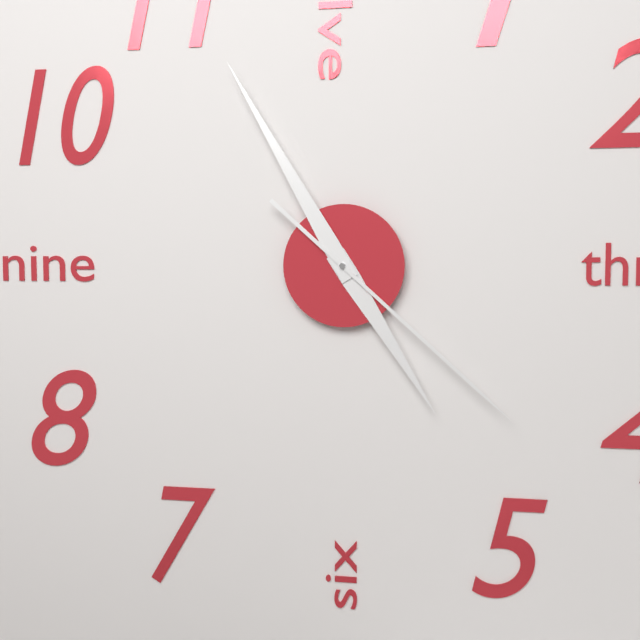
{"hour": 4, "minute": 55, "second": 22}
